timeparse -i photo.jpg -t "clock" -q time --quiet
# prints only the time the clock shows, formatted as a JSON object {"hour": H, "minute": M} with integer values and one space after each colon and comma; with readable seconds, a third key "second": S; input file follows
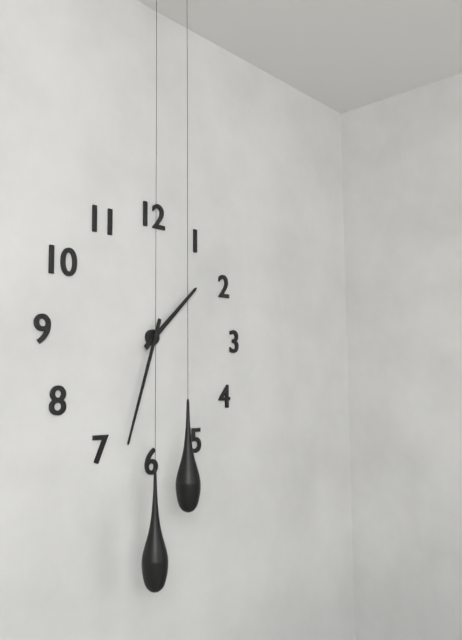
{"hour": 1, "minute": 33}
